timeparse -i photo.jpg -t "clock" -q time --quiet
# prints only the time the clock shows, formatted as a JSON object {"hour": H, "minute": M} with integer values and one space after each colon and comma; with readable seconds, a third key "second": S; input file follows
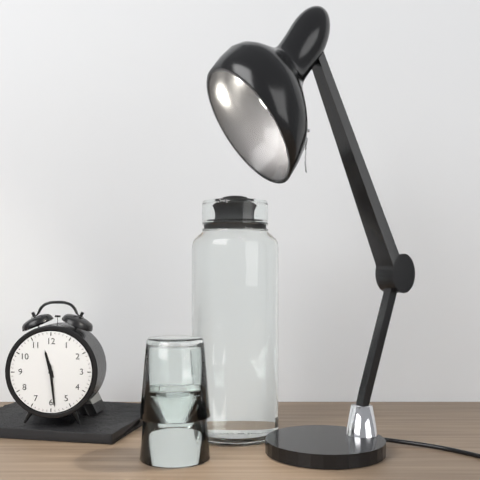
{"hour": 11, "minute": 29}
